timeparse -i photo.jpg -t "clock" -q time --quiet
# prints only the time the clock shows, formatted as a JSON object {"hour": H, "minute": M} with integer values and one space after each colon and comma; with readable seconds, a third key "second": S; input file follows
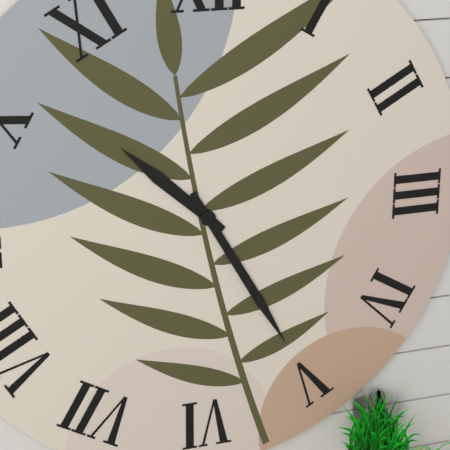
{"hour": 10, "minute": 25}
